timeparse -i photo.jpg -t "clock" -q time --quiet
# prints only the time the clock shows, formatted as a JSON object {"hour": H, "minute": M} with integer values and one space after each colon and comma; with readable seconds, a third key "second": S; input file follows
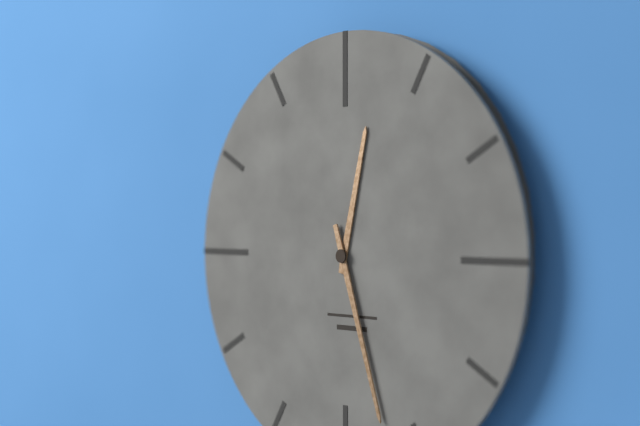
{"hour": 12, "minute": 27}
